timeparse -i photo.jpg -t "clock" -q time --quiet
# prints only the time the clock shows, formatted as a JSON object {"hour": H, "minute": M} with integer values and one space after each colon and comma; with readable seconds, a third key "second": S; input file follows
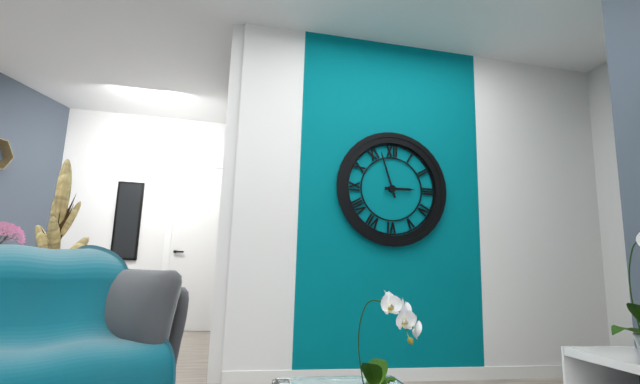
{"hour": 2, "minute": 57}
